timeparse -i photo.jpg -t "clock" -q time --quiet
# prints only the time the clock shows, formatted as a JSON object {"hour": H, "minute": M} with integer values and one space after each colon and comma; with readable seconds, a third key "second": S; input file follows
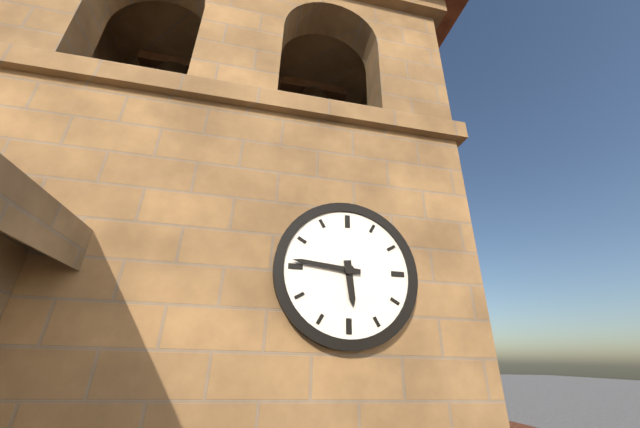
{"hour": 5, "minute": 46}
